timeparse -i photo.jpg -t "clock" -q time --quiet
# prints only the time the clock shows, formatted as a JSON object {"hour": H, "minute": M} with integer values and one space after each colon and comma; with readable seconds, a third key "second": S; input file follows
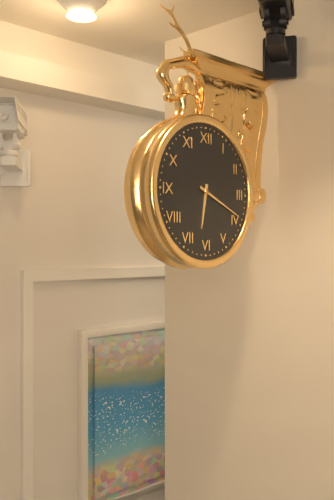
{"hour": 6, "minute": 19}
